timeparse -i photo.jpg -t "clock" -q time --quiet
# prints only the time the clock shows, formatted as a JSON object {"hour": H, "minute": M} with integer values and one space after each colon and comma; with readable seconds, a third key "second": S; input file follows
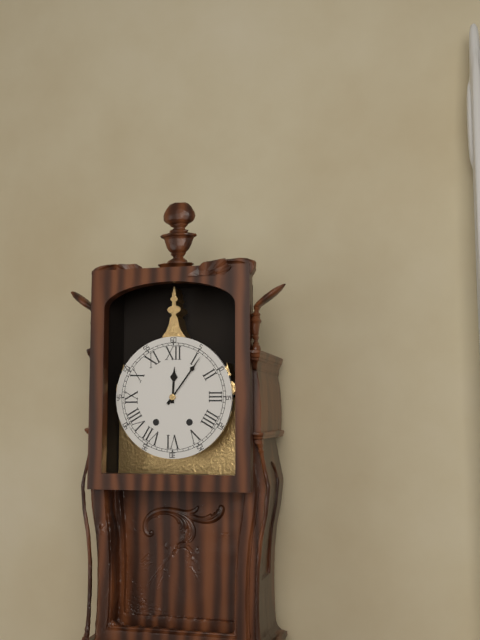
{"hour": 12, "minute": 6}
